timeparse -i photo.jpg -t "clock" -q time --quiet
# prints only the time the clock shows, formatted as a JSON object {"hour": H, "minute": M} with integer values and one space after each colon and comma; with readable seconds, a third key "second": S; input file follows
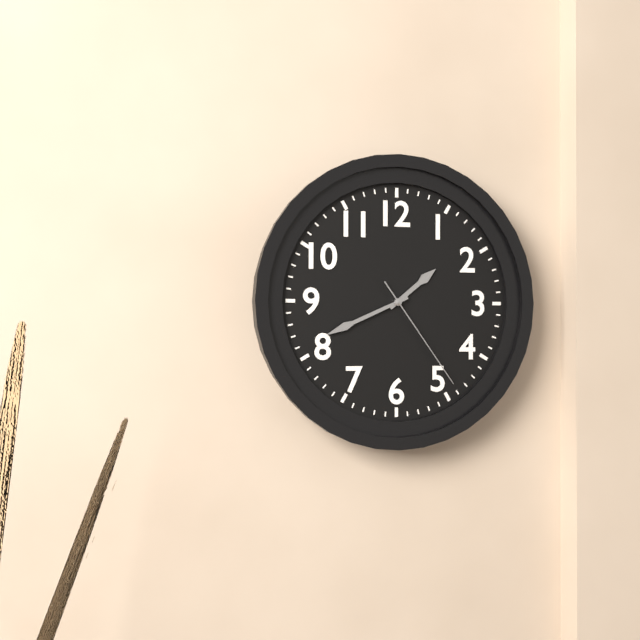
{"hour": 1, "minute": 41, "second": 24}
